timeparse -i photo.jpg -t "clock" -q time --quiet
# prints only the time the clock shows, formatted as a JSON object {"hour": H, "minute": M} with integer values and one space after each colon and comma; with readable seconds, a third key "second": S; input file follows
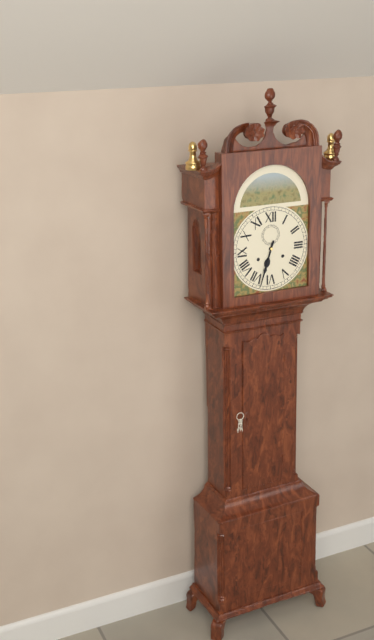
{"hour": 6, "minute": 33}
